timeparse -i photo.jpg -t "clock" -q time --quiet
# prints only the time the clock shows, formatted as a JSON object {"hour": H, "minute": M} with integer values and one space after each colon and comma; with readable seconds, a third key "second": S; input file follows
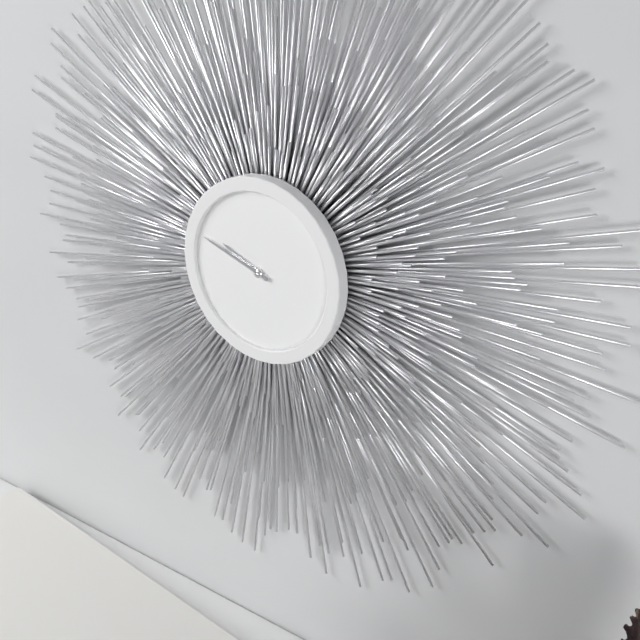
{"hour": 9, "minute": 48}
